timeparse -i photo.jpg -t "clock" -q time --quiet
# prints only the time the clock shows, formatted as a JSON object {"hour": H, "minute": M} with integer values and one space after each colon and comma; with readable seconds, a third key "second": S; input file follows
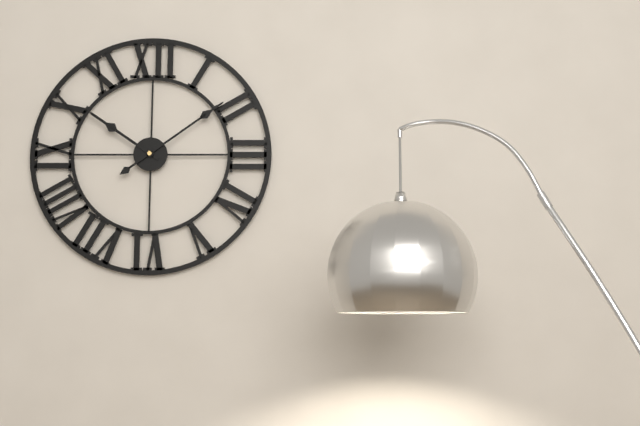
{"hour": 10, "minute": 9}
